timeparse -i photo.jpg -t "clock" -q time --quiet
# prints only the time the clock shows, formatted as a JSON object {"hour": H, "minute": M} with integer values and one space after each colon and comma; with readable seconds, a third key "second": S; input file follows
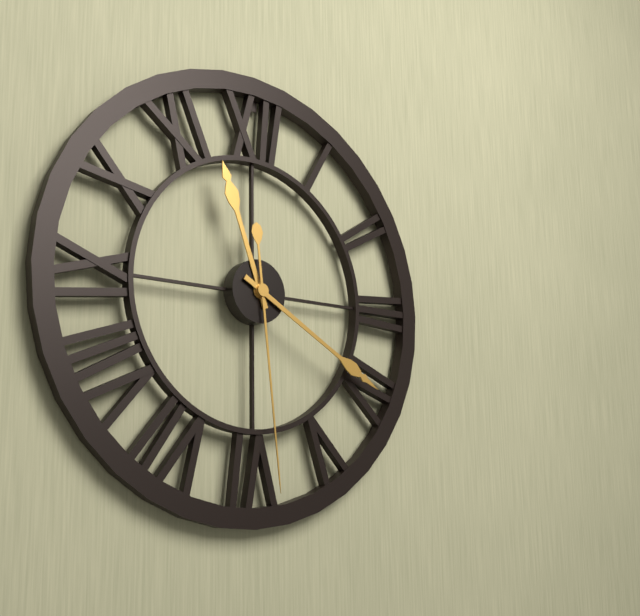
{"hour": 11, "minute": 20, "second": 29}
